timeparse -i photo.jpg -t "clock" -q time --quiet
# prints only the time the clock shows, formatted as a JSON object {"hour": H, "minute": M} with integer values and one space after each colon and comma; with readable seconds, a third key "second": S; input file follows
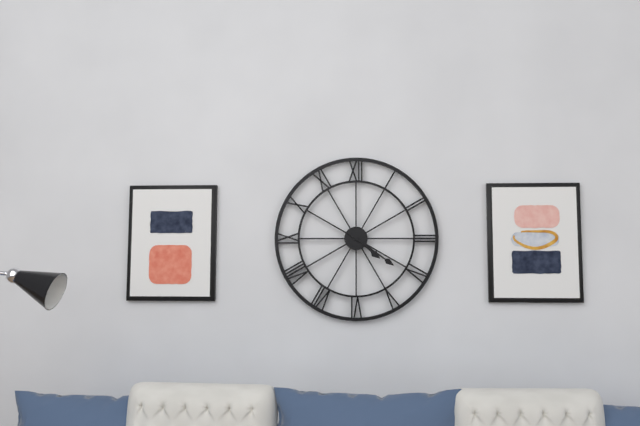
{"hour": 4, "minute": 21}
